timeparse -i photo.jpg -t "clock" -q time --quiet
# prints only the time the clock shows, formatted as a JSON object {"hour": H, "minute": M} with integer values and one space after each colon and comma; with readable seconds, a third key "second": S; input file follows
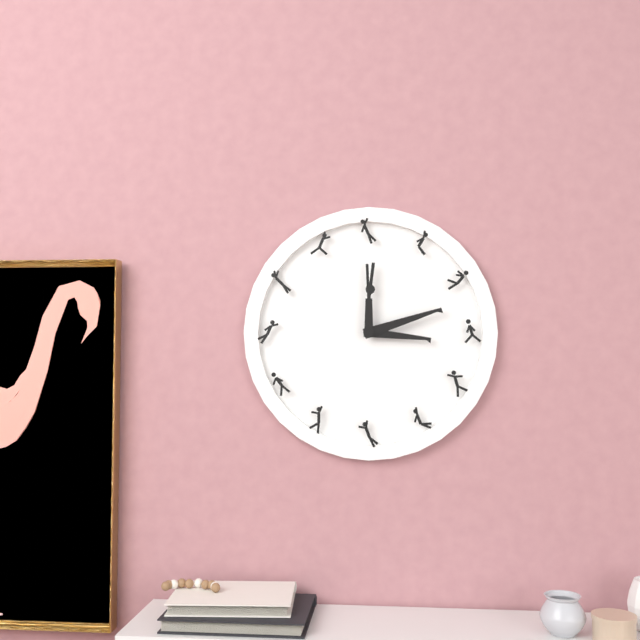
{"hour": 3, "minute": 12}
